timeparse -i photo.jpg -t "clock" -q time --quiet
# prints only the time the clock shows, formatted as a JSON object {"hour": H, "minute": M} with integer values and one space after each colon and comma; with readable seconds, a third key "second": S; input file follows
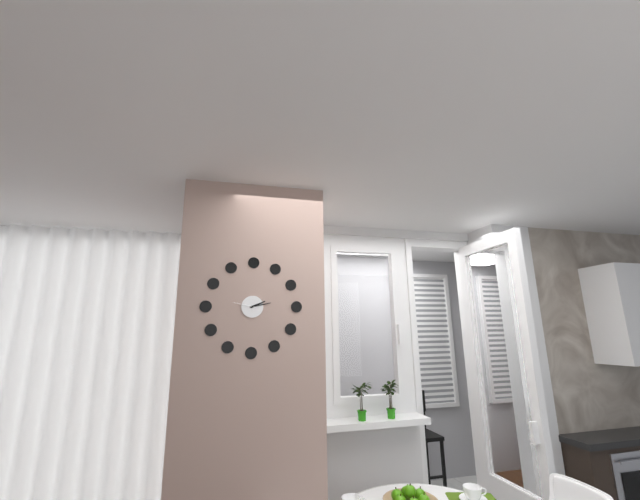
{"hour": 2, "minute": 13}
